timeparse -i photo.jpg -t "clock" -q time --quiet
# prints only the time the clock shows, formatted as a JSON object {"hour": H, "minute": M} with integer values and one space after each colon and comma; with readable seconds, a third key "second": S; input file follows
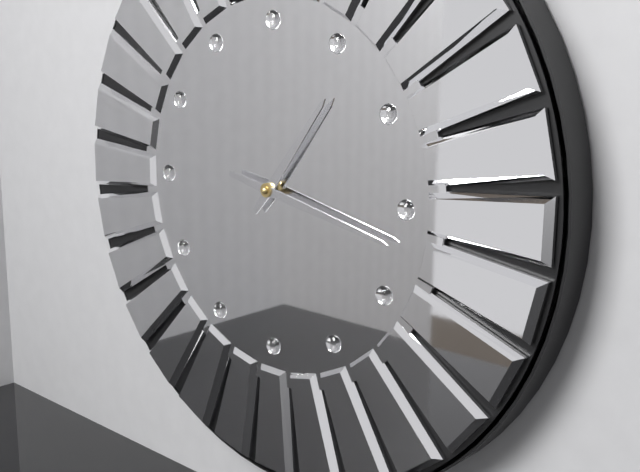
{"hour": 1, "minute": 17}
